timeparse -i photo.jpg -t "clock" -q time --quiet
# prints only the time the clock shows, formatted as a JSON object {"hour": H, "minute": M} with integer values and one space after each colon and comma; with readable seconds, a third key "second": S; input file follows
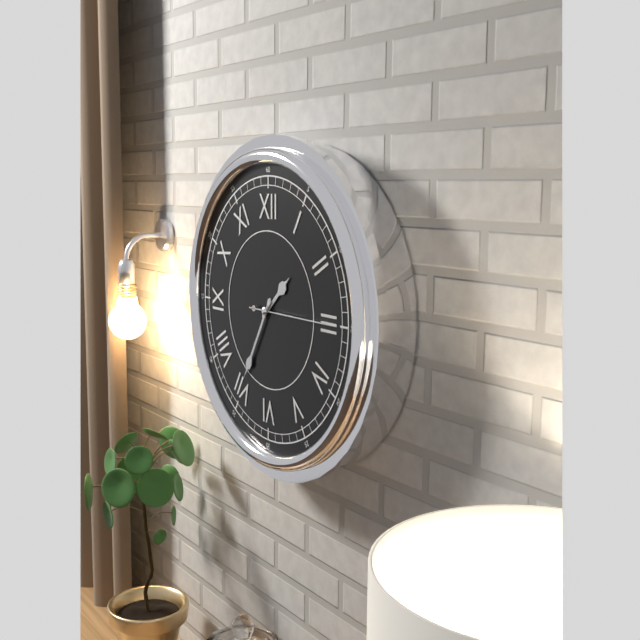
{"hour": 1, "minute": 35, "second": 15}
